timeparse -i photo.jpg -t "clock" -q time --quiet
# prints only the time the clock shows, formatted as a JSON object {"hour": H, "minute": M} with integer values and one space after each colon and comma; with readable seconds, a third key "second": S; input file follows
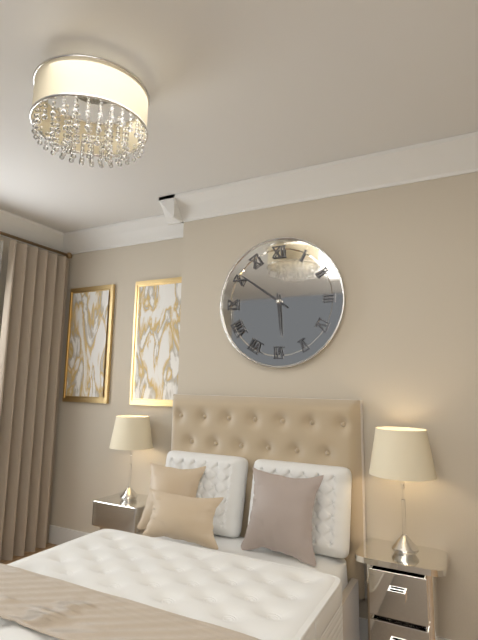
{"hour": 5, "minute": 51}
